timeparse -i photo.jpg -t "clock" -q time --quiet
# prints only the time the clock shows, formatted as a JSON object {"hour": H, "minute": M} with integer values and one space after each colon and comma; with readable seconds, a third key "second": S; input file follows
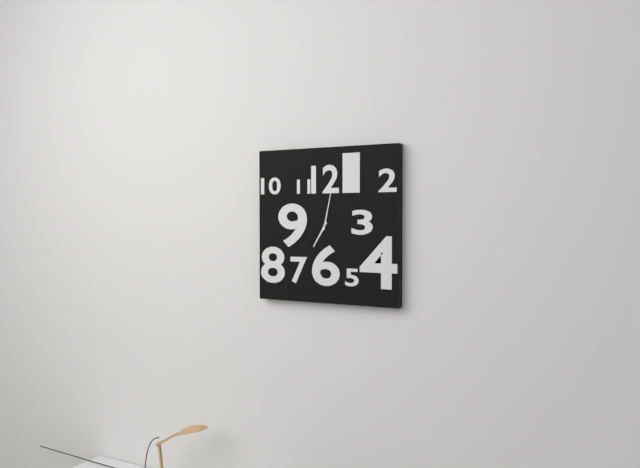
{"hour": 7, "minute": 2}
